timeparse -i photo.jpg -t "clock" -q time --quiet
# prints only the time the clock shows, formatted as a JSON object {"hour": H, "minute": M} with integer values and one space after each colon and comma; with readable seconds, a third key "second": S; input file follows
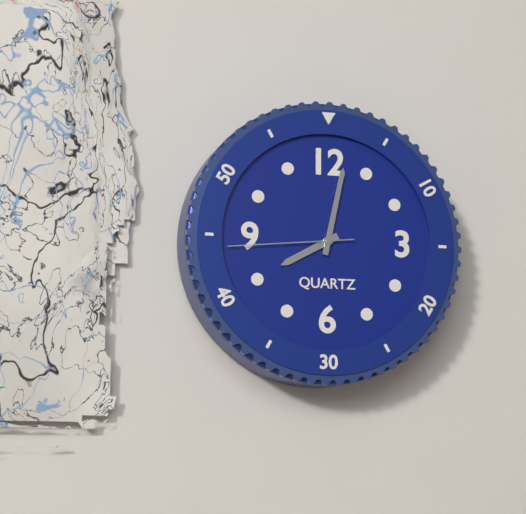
{"hour": 8, "minute": 2, "second": 44}
